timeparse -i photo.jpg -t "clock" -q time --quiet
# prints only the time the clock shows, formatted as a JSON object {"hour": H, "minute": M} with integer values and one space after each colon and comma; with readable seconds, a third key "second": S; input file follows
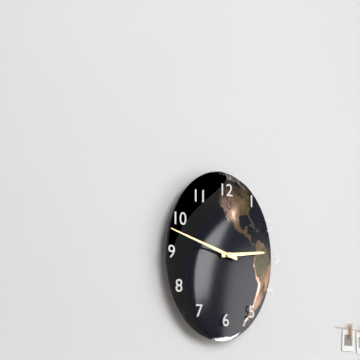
{"hour": 2, "minute": 48}
